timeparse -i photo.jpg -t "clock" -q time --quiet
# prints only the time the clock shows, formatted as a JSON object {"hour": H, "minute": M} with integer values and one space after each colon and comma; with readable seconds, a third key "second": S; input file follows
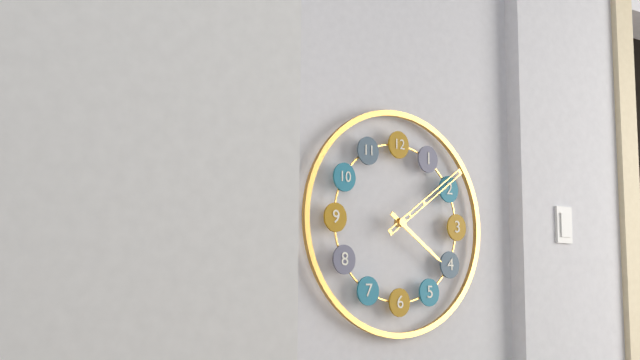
{"hour": 4, "minute": 9}
